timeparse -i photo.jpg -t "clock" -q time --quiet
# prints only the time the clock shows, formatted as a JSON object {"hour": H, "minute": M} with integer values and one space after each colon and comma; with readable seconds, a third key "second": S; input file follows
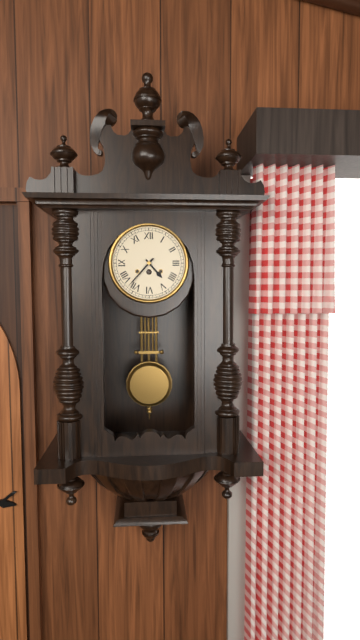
{"hour": 4, "minute": 37}
